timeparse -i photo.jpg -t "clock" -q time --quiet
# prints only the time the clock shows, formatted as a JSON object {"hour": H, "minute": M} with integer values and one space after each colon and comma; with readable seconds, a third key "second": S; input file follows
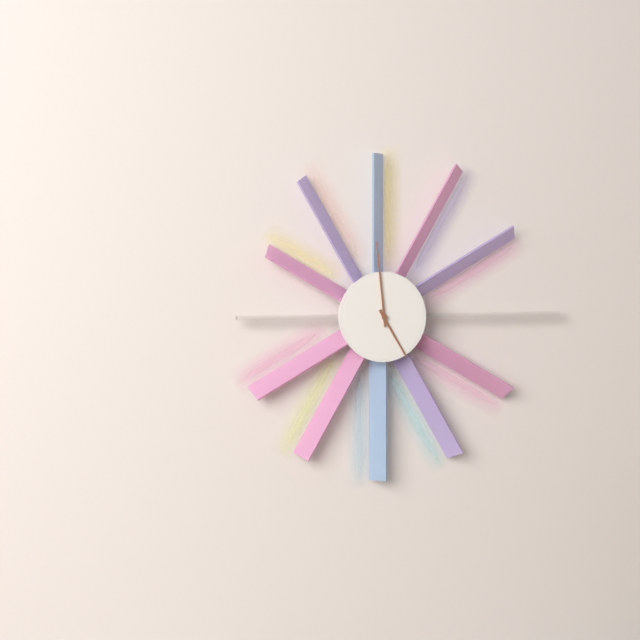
{"hour": 4, "minute": 59}
